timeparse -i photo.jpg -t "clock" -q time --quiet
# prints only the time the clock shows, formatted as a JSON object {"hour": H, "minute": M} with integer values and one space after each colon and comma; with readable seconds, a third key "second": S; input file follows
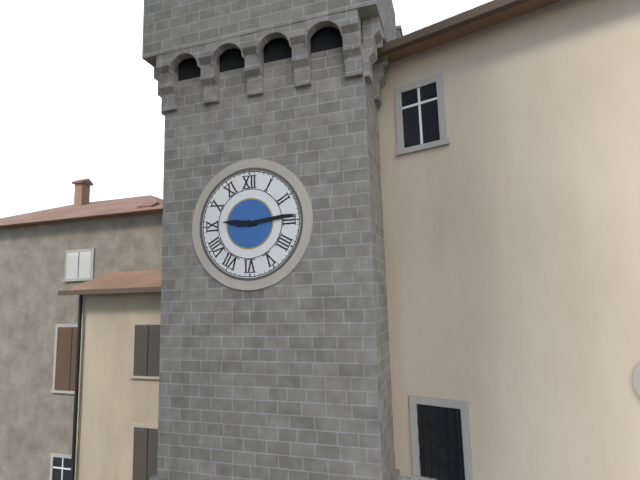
{"hour": 9, "minute": 14}
